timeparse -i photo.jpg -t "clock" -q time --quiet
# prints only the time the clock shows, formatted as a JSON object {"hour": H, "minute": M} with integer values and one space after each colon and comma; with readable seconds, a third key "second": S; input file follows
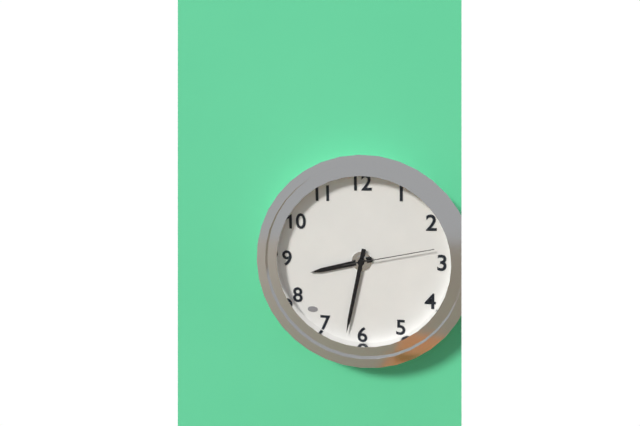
{"hour": 8, "minute": 32, "second": 13}
